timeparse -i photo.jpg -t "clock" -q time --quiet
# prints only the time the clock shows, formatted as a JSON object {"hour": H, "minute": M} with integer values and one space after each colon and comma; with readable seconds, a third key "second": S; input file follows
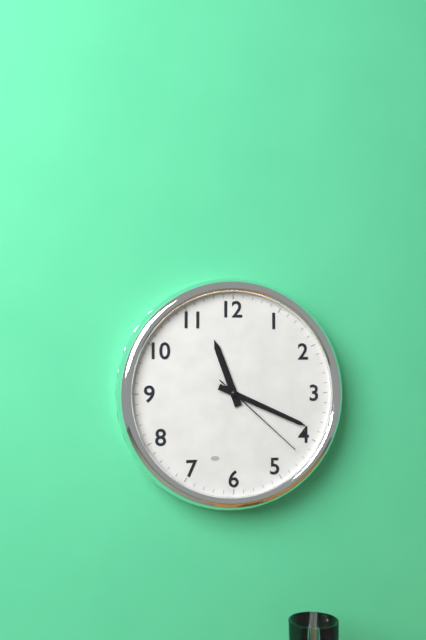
{"hour": 11, "minute": 19, "second": 22}
